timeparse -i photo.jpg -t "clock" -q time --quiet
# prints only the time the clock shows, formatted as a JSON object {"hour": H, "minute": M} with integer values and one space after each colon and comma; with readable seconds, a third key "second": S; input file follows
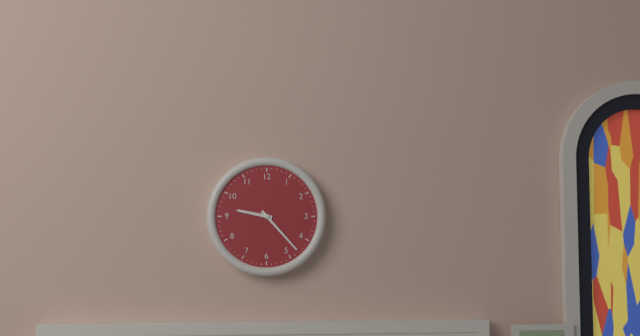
{"hour": 9, "minute": 23}
